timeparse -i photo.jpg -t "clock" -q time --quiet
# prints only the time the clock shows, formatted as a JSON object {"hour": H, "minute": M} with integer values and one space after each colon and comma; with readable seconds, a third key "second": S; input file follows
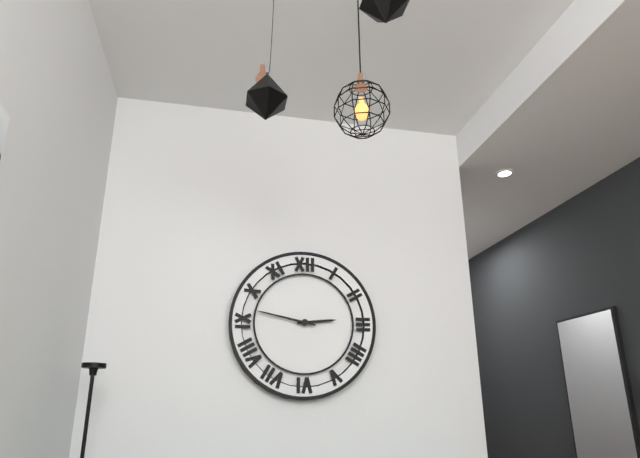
{"hour": 2, "minute": 47}
